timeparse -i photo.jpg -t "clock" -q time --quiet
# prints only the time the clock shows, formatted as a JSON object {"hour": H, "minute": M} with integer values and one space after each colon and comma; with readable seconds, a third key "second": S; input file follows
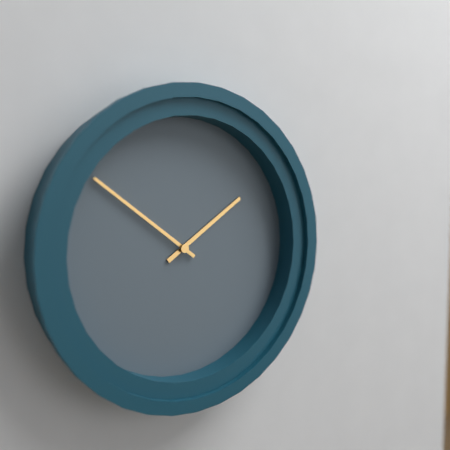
{"hour": 1, "minute": 51}
